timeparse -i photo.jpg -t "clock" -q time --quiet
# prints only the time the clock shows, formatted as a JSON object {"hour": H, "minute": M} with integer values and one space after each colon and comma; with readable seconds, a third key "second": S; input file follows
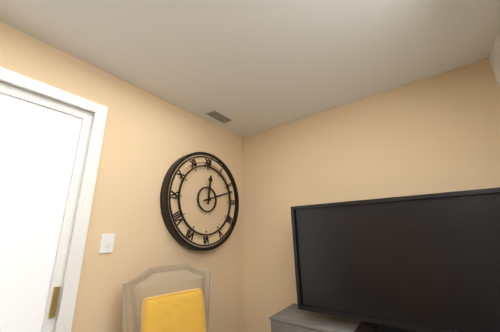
{"hour": 12, "minute": 12}
